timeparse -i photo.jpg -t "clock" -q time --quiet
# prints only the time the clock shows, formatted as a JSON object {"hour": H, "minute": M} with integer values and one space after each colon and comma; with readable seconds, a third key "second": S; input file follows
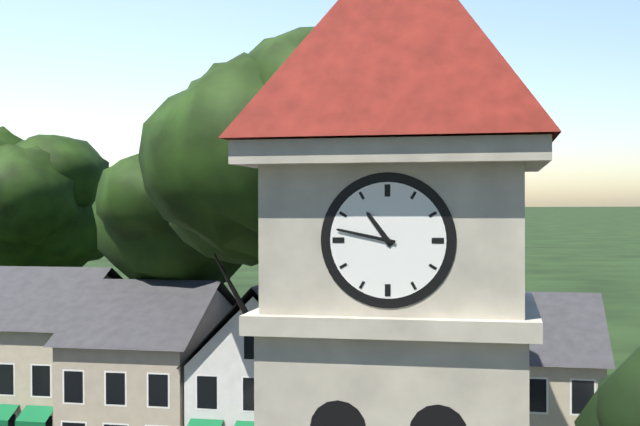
{"hour": 10, "minute": 47}
